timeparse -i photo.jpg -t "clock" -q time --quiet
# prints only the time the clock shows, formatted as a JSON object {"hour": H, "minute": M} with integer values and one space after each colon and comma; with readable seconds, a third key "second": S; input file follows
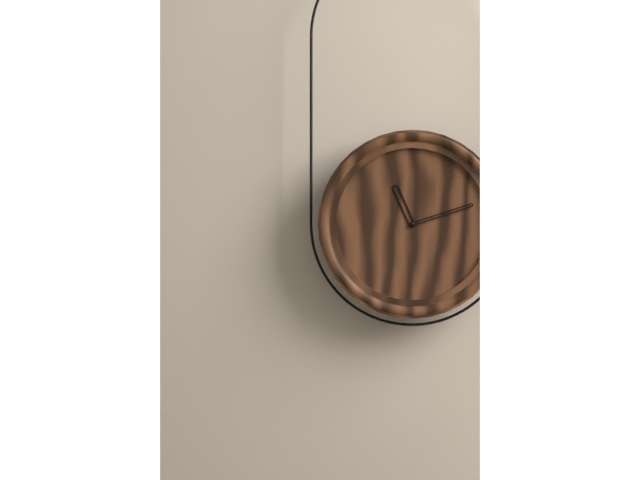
{"hour": 11, "minute": 12}
